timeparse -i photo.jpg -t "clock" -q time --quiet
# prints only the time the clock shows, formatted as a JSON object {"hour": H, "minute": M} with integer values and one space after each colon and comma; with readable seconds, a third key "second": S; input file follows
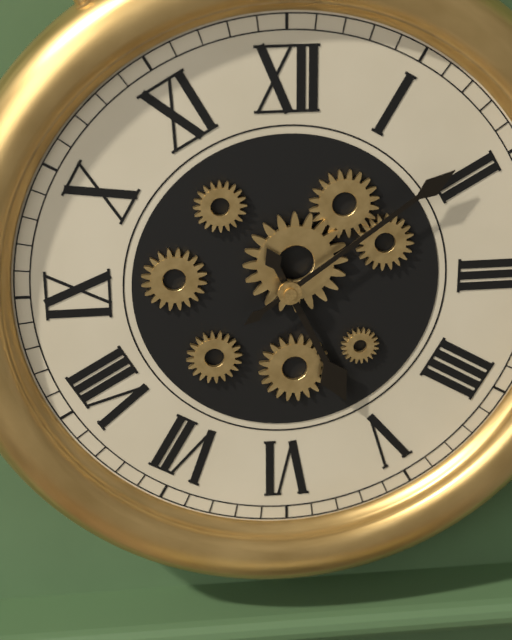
{"hour": 5, "minute": 9}
